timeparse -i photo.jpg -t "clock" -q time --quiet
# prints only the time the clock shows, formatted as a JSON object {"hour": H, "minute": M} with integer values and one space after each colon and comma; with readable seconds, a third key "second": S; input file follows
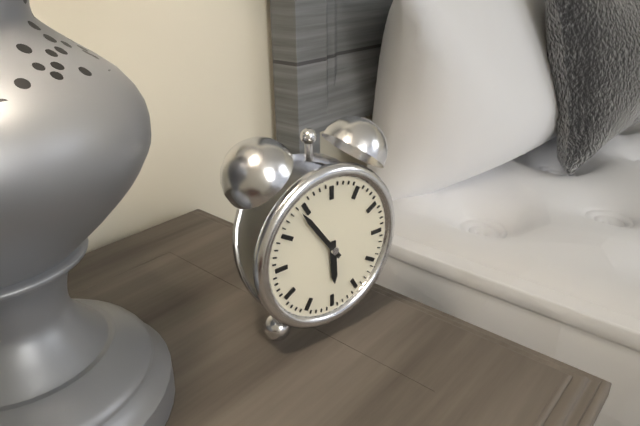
{"hour": 5, "minute": 54}
